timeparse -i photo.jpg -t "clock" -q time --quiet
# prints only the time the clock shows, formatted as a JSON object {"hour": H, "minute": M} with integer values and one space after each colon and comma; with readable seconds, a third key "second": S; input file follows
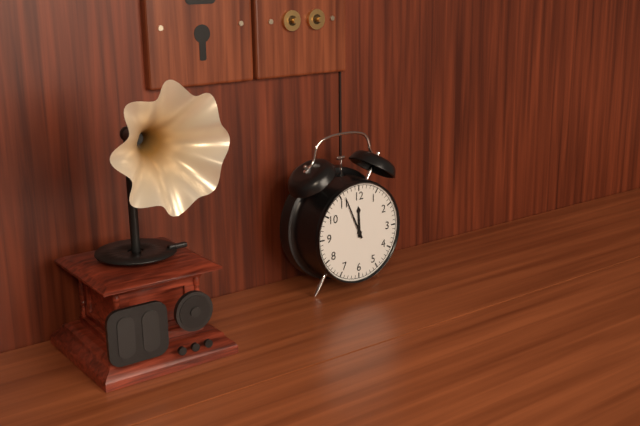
{"hour": 11, "minute": 56}
